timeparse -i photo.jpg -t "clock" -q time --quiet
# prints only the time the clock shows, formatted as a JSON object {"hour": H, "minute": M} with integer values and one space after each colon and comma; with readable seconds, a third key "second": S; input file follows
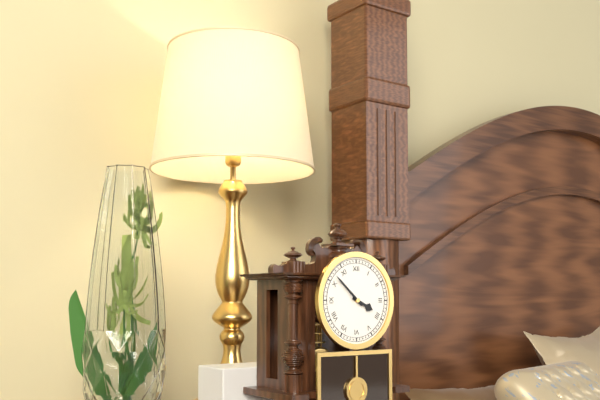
{"hour": 3, "minute": 52}
